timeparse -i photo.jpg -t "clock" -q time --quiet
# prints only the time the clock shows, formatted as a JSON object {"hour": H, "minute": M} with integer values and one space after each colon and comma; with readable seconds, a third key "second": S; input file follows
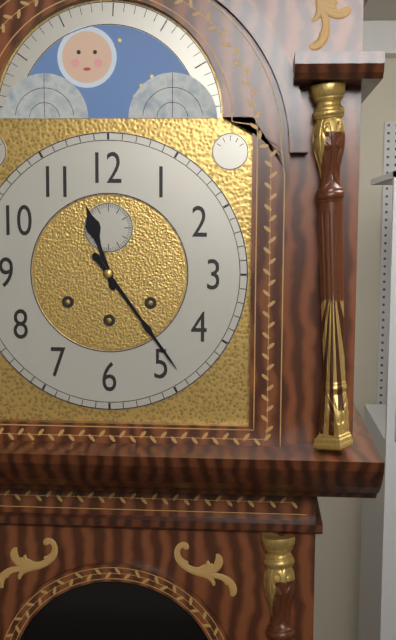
{"hour": 11, "minute": 24}
